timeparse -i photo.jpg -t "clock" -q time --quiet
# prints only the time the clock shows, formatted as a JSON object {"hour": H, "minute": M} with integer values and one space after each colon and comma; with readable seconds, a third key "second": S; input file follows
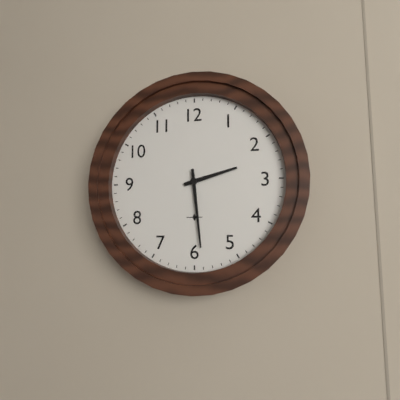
{"hour": 2, "minute": 29}
